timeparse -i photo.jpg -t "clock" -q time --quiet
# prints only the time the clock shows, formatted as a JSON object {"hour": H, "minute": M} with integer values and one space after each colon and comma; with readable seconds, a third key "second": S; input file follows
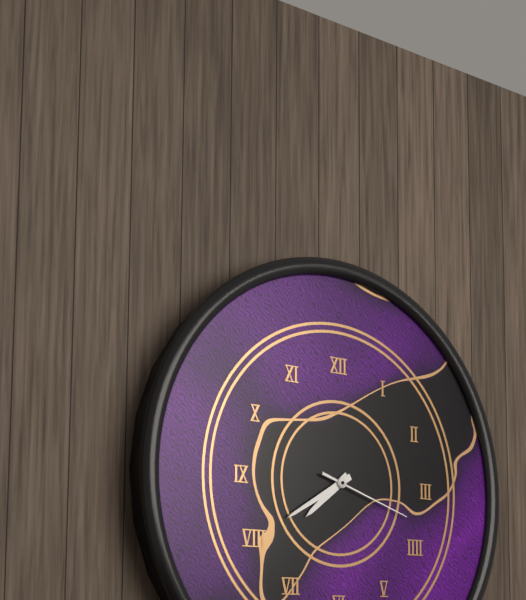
{"hour": 7, "minute": 40, "second": 18}
